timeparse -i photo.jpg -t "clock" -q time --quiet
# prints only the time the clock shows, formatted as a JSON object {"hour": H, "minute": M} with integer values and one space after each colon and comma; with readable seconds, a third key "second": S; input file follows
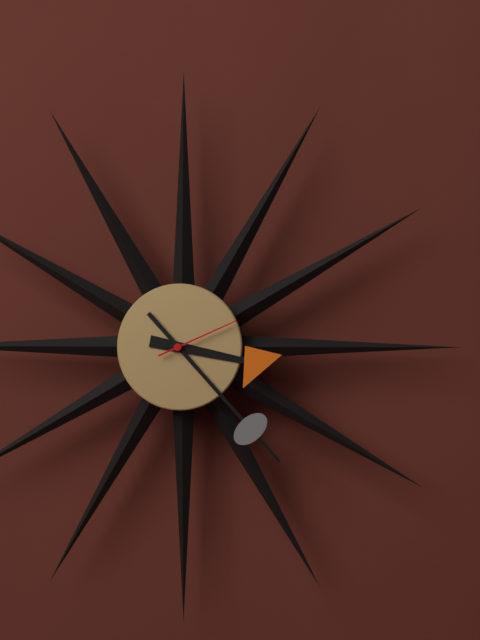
{"hour": 3, "minute": 23, "second": 11}
